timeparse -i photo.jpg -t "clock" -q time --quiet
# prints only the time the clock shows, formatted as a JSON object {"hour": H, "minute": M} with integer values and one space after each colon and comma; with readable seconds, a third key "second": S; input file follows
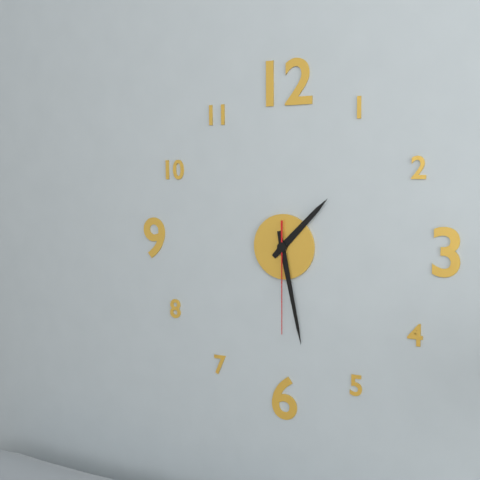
{"hour": 1, "minute": 28, "second": 30}
